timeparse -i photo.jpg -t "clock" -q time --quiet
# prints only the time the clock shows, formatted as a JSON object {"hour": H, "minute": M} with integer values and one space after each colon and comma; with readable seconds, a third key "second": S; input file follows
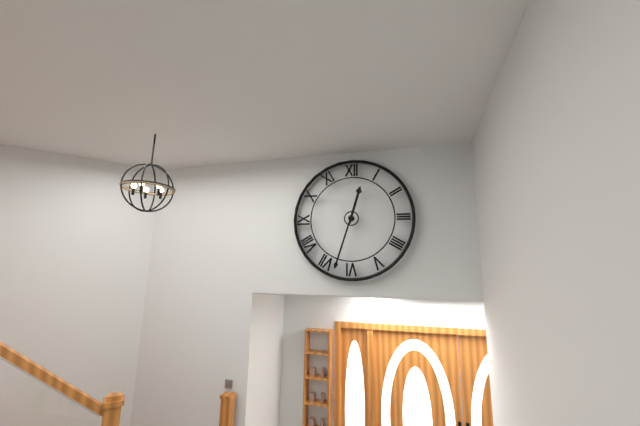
{"hour": 12, "minute": 33}
